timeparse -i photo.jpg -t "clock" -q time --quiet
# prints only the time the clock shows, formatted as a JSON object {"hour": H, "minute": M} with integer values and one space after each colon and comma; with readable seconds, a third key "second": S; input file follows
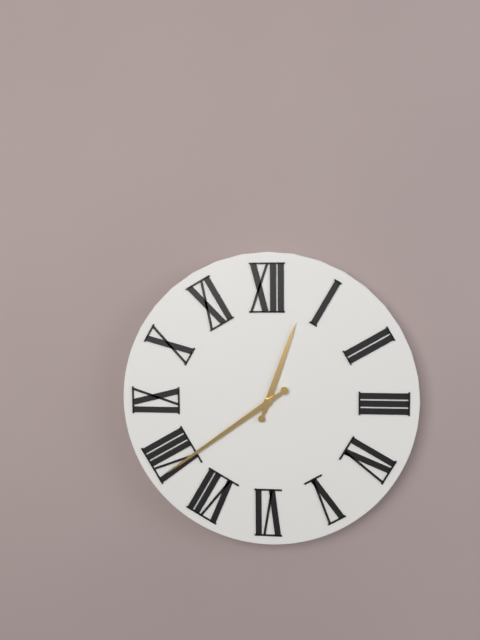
{"hour": 12, "minute": 39}
